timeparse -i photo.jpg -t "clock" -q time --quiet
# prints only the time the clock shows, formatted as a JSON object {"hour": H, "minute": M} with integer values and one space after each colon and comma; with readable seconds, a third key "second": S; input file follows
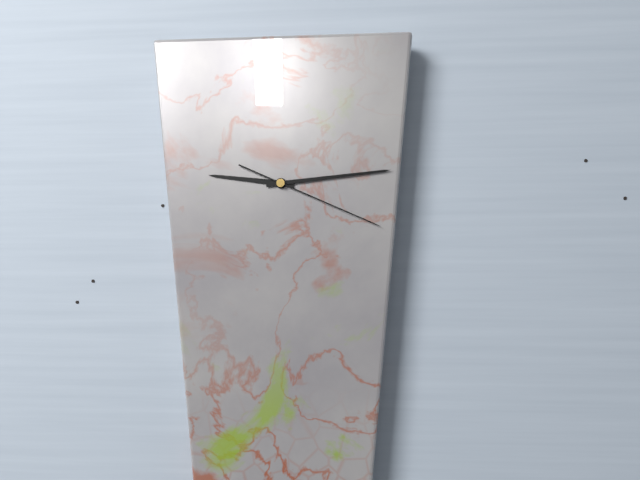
{"hour": 9, "minute": 14, "second": 19}
